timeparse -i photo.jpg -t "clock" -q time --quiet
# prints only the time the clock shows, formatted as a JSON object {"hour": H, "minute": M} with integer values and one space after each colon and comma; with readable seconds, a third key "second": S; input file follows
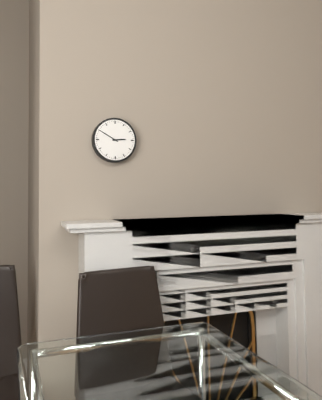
{"hour": 2, "minute": 50}
